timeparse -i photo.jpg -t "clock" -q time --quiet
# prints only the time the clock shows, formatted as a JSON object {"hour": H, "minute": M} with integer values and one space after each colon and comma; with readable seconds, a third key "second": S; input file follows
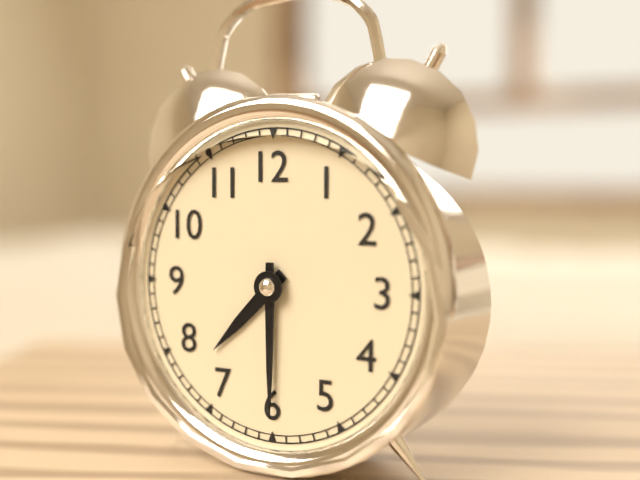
{"hour": 7, "minute": 30}
